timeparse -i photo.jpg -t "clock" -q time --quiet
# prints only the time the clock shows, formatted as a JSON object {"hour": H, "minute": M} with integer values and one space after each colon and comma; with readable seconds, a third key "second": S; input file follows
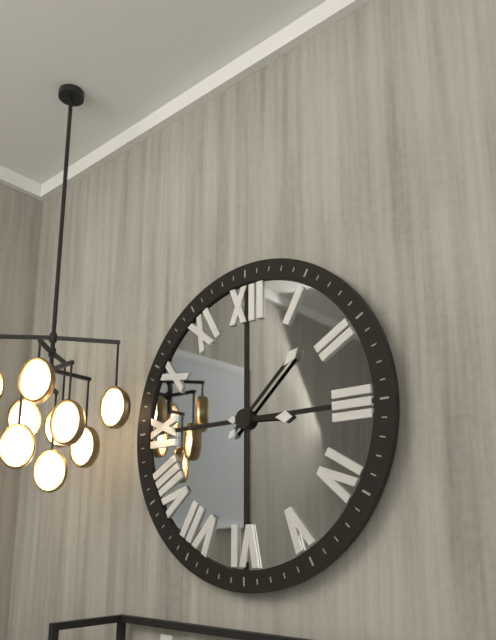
{"hour": 3, "minute": 8}
